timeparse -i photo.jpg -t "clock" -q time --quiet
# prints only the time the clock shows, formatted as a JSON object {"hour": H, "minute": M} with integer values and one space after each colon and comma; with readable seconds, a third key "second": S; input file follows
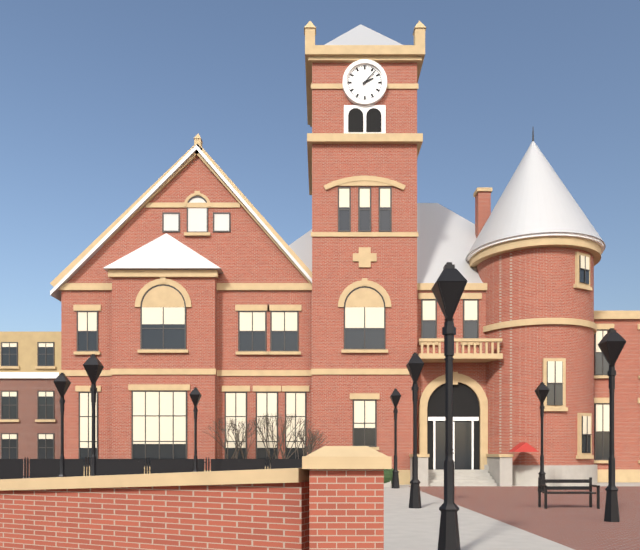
{"hour": 2, "minute": 7}
